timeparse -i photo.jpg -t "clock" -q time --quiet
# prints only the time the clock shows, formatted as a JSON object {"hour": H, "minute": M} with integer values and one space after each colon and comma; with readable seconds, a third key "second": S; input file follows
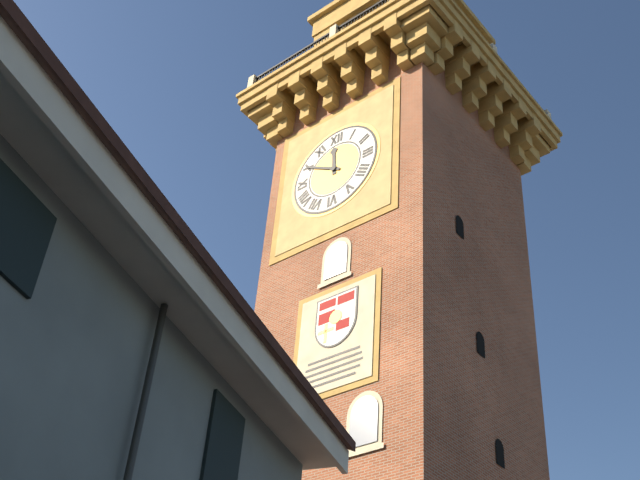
{"hour": 11, "minute": 50}
